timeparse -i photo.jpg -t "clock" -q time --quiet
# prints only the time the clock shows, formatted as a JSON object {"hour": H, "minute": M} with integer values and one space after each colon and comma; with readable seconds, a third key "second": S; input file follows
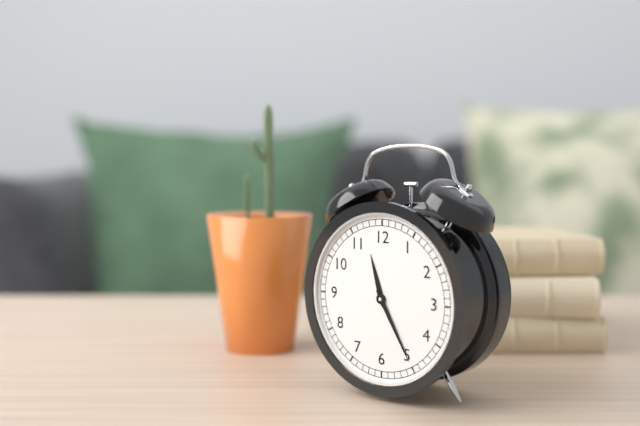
{"hour": 11, "minute": 25}
